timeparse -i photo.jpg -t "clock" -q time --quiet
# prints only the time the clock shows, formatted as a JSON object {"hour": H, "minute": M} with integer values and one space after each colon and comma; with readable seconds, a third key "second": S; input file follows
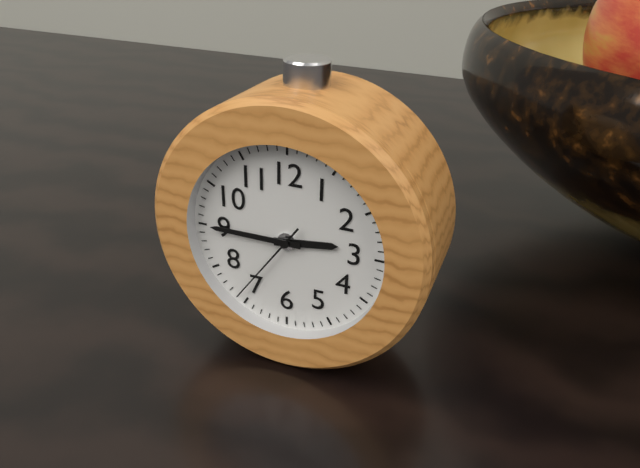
{"hour": 2, "minute": 45, "second": 36}
